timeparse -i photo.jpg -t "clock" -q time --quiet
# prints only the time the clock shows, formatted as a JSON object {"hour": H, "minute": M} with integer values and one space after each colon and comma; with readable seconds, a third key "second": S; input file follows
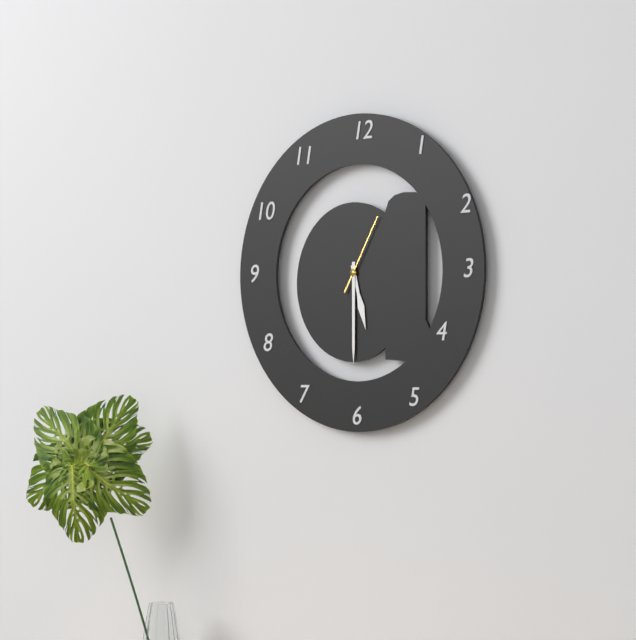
{"hour": 5, "minute": 30, "second": 5}
